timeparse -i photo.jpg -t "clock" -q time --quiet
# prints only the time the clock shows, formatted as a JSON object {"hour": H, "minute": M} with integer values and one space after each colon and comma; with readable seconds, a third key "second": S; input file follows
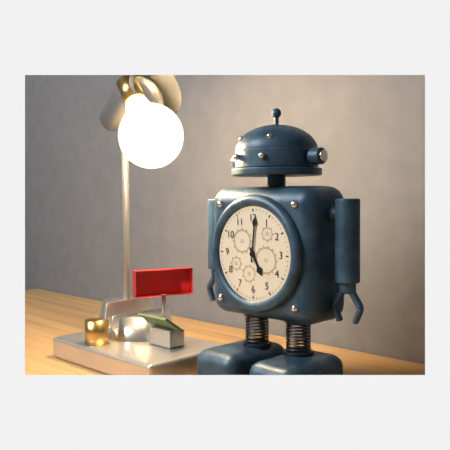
{"hour": 5, "minute": 1}
